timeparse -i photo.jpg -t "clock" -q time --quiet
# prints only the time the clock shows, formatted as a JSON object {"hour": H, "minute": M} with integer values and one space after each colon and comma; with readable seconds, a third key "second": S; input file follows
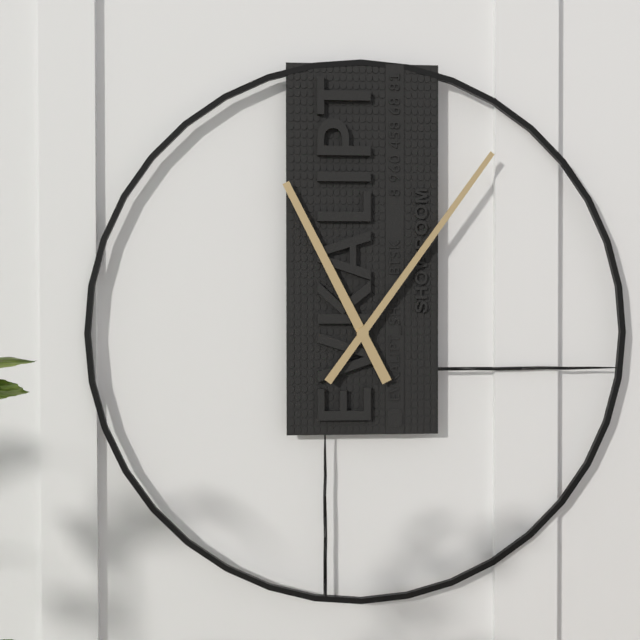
{"hour": 11, "minute": 6}
